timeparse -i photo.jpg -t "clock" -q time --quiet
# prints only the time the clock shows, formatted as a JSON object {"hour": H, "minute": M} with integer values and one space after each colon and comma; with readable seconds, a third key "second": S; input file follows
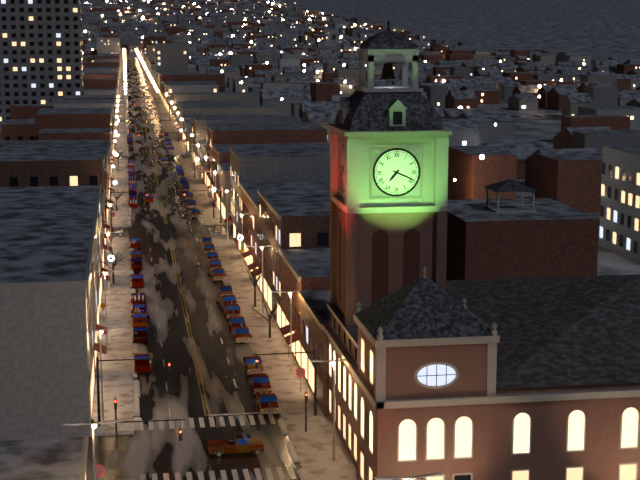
{"hour": 7, "minute": 19}
